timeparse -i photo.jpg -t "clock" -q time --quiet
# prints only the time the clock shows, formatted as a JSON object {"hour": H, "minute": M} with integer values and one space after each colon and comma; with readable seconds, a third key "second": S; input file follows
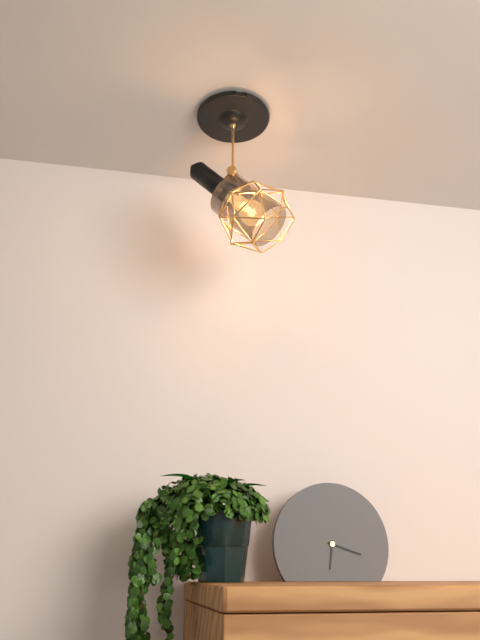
{"hour": 6, "minute": 18}
